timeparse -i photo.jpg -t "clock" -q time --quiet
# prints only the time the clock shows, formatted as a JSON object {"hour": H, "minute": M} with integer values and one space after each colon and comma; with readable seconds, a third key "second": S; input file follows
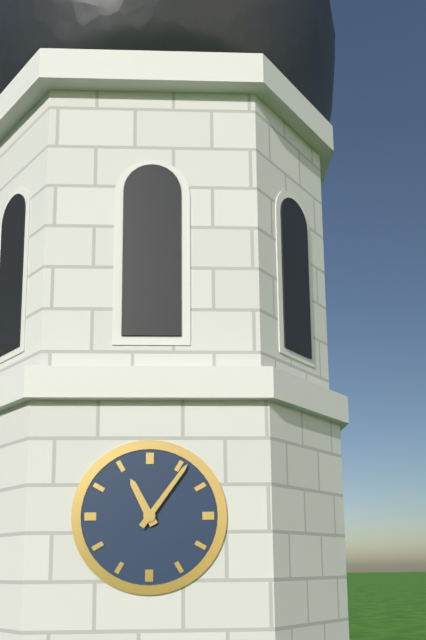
{"hour": 11, "minute": 6}
